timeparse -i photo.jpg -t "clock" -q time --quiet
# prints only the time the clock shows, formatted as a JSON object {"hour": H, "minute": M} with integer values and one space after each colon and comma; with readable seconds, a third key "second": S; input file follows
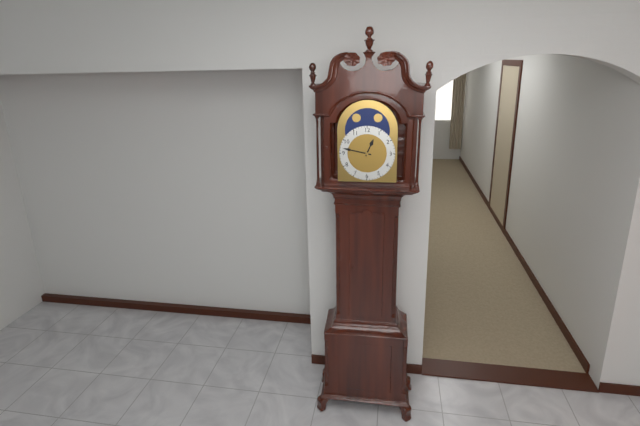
{"hour": 12, "minute": 47}
